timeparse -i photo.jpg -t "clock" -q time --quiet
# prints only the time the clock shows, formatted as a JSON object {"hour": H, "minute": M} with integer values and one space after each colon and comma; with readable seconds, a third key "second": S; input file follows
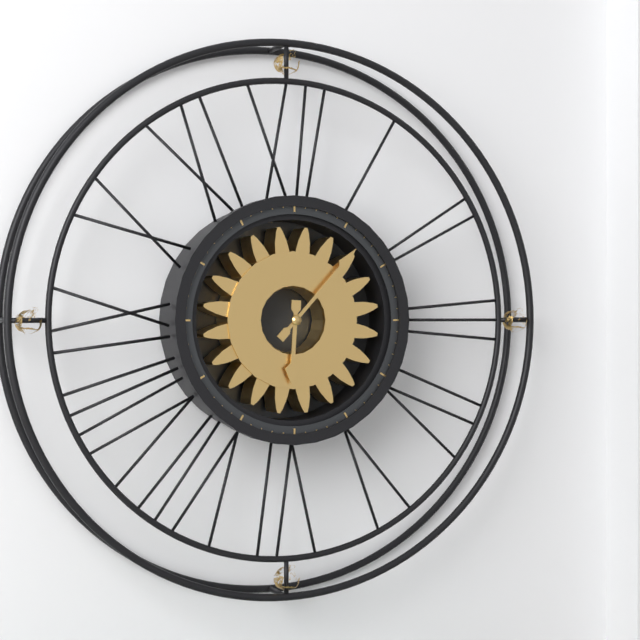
{"hour": 6, "minute": 7}
